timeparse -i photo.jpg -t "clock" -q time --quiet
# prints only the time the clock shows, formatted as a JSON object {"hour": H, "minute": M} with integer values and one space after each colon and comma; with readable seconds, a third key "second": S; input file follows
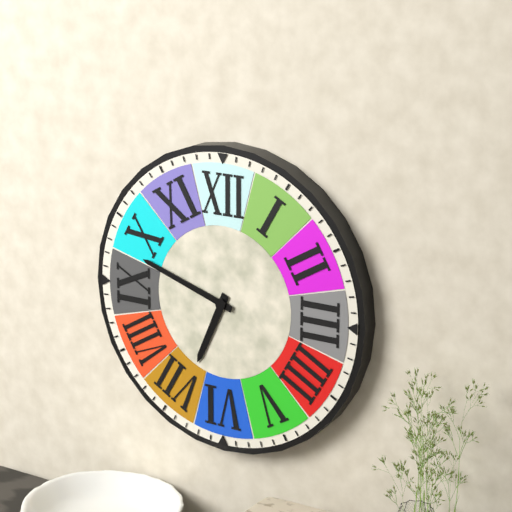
{"hour": 6, "minute": 48}
